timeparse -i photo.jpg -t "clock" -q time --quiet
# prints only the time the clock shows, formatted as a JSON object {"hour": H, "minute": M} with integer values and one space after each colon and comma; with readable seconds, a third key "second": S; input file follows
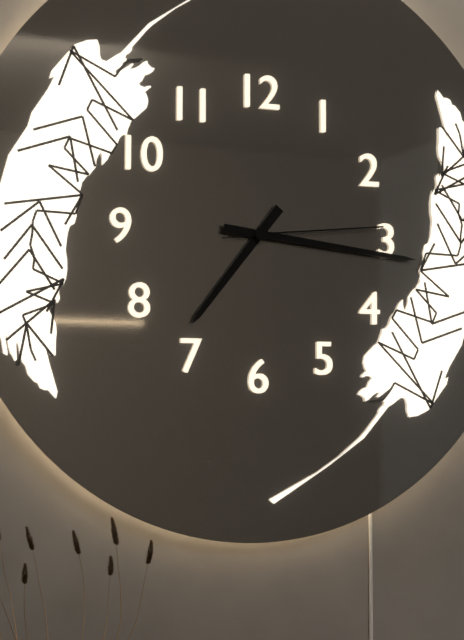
{"hour": 7, "minute": 16, "second": 14}
